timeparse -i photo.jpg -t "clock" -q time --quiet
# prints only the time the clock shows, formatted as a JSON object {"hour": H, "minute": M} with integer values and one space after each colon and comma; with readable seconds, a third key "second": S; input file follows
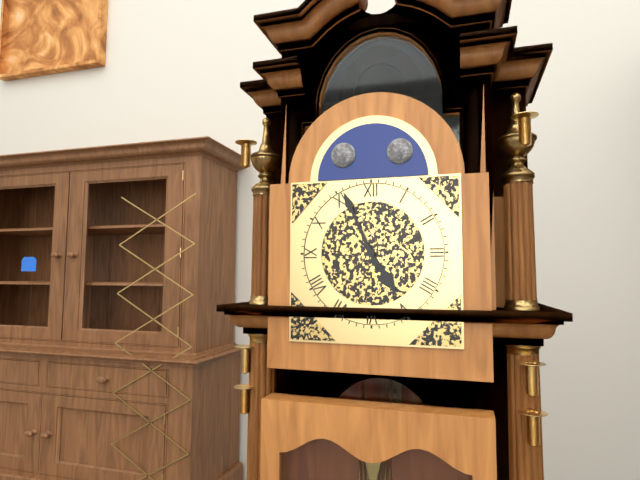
{"hour": 4, "minute": 56}
